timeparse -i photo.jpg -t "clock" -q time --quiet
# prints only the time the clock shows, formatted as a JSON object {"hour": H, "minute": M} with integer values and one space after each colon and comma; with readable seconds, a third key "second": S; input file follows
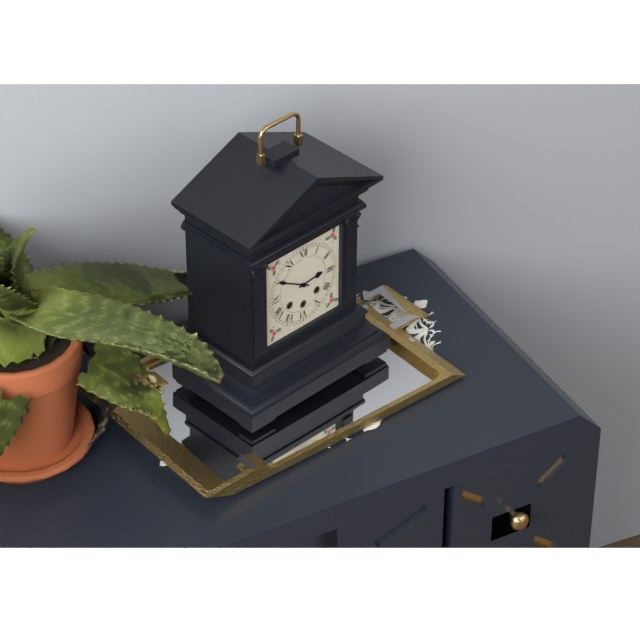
{"hour": 2, "minute": 50}
